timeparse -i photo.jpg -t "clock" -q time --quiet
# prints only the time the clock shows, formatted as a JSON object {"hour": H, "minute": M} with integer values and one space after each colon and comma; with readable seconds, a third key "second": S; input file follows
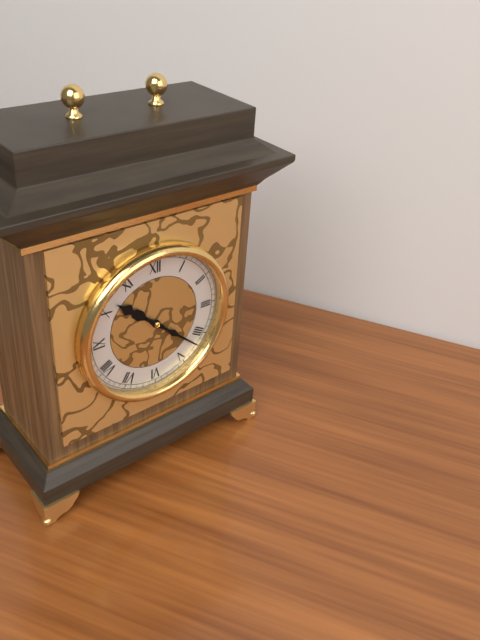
{"hour": 10, "minute": 22}
